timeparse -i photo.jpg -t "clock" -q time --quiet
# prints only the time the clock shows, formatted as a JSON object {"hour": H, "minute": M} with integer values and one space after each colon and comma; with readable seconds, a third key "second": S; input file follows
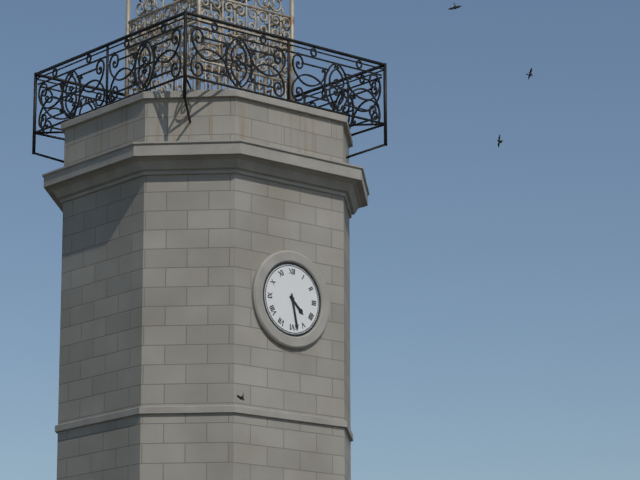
{"hour": 4, "minute": 28}
